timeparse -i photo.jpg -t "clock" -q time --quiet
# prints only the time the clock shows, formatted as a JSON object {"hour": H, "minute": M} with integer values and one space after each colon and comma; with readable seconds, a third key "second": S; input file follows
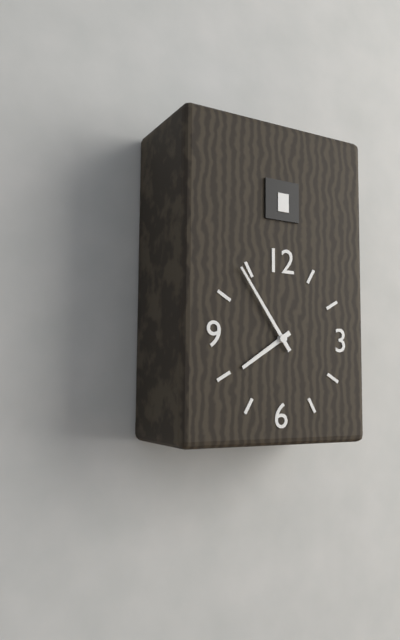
{"hour": 7, "minute": 54}
